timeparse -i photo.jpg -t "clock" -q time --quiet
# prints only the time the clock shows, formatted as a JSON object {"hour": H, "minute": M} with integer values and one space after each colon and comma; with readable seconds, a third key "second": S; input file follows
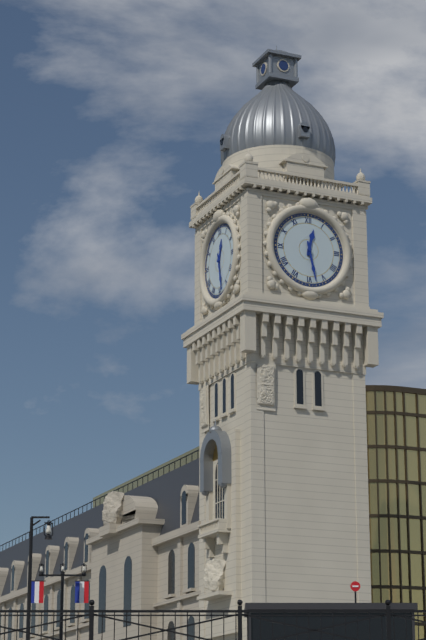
{"hour": 12, "minute": 28}
